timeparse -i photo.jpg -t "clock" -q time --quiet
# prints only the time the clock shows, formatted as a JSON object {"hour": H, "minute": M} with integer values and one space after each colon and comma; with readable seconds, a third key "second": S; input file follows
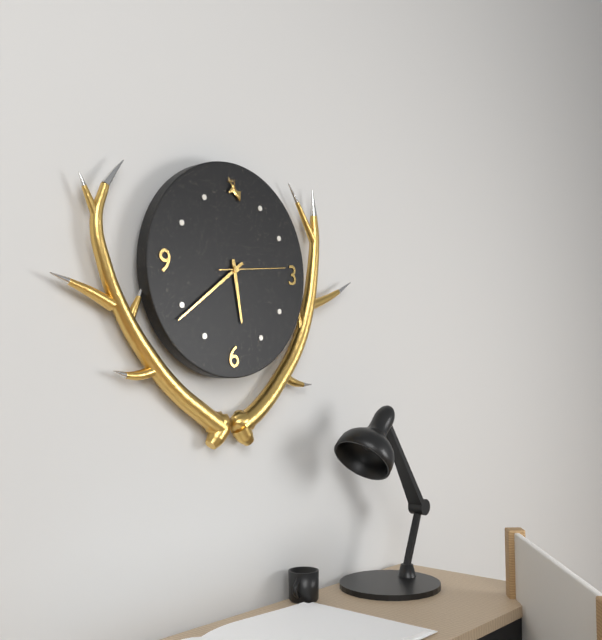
{"hour": 5, "minute": 39, "second": 14}
